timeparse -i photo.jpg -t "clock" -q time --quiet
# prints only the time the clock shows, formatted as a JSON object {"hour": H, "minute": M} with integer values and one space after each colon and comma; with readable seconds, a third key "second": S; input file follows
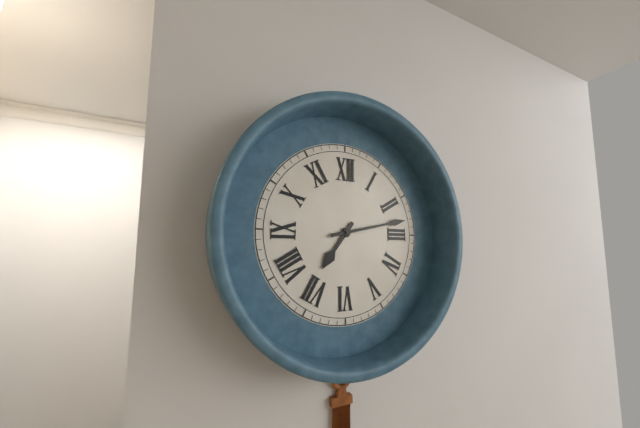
{"hour": 7, "minute": 13}
